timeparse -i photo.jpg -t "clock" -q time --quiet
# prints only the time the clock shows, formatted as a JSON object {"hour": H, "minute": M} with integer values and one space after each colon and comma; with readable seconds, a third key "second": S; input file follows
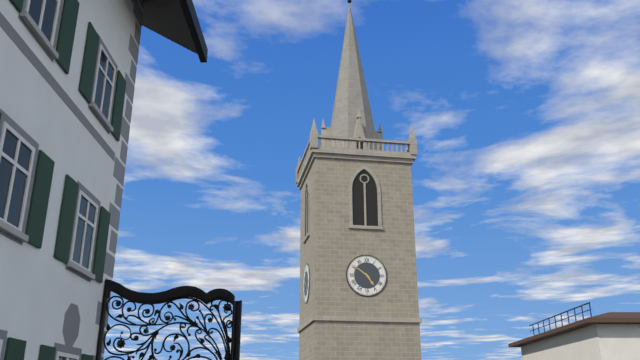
{"hour": 4, "minute": 51}
